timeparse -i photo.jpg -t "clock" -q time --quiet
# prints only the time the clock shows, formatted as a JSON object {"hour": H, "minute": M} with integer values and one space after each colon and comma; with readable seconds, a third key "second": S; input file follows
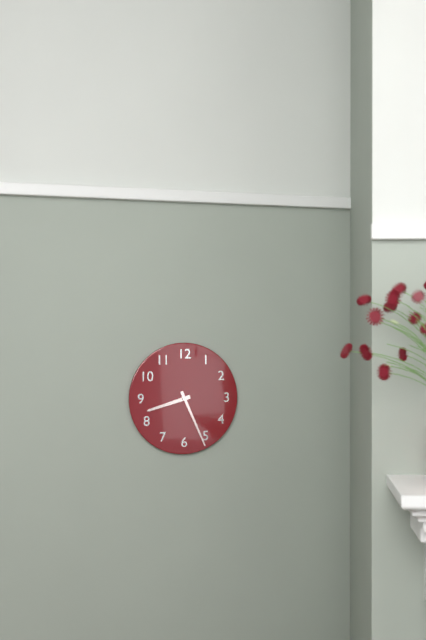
{"hour": 8, "minute": 26}
